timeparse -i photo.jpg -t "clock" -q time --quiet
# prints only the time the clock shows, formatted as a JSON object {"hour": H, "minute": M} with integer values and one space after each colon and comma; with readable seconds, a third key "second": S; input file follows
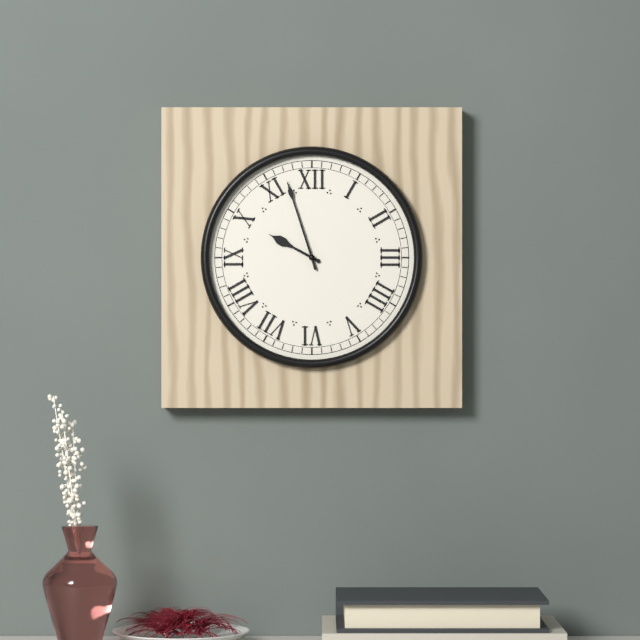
{"hour": 9, "minute": 57}
